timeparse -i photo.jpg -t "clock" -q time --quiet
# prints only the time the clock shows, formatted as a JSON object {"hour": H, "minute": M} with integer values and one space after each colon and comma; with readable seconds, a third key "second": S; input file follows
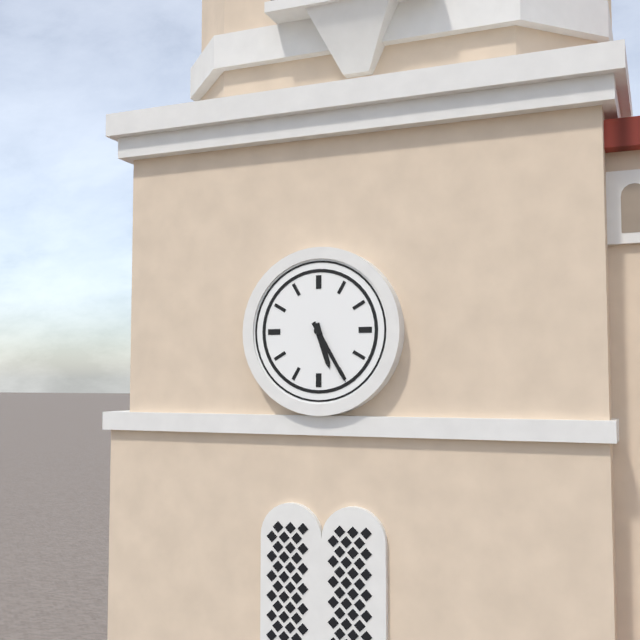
{"hour": 5, "minute": 25}
